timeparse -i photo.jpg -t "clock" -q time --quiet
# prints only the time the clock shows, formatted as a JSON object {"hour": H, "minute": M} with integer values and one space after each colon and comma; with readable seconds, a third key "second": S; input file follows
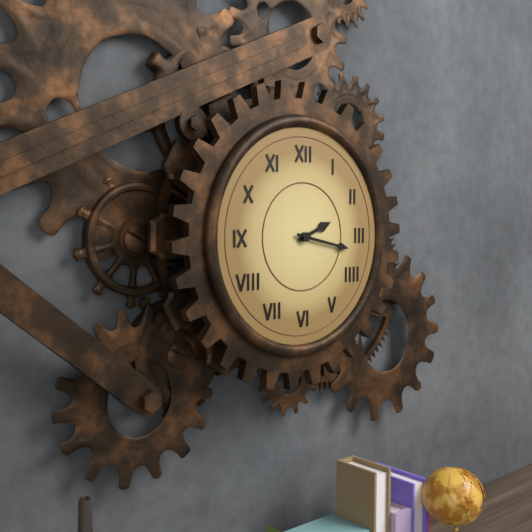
{"hour": 2, "minute": 17}
